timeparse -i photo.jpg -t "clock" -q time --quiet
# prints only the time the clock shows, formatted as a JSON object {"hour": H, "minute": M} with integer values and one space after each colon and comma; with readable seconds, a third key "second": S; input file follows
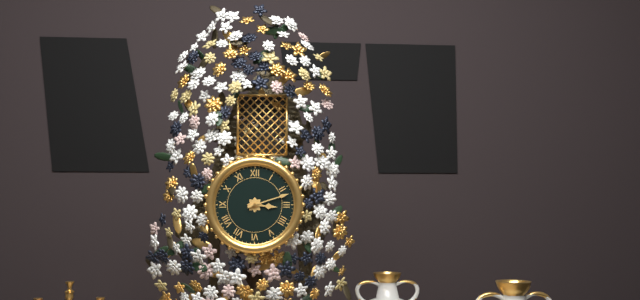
{"hour": 3, "minute": 12}
